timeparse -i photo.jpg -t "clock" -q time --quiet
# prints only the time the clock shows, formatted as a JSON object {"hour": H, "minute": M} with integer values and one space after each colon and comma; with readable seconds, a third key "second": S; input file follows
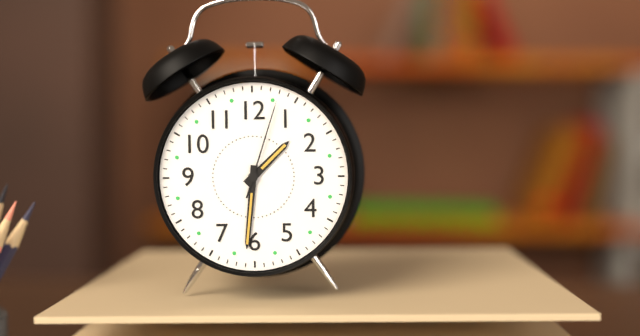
{"hour": 1, "minute": 31, "second": 3}
